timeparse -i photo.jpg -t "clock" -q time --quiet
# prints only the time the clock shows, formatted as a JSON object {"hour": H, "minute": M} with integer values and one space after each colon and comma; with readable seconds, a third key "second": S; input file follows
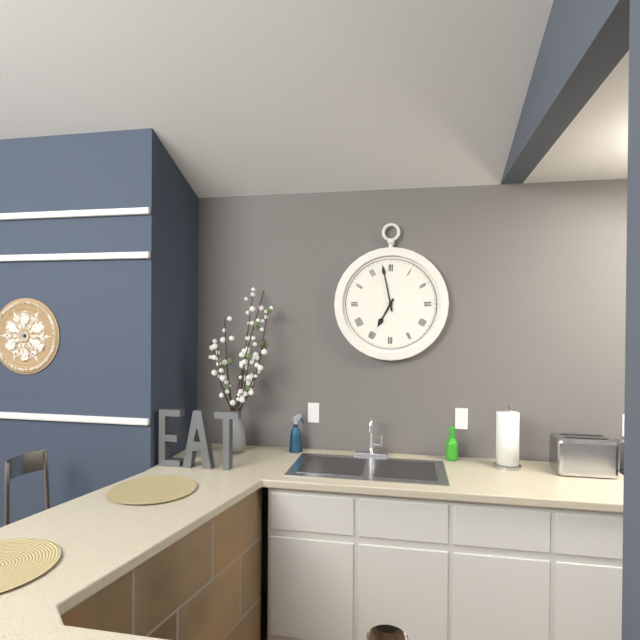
{"hour": 6, "minute": 58}
